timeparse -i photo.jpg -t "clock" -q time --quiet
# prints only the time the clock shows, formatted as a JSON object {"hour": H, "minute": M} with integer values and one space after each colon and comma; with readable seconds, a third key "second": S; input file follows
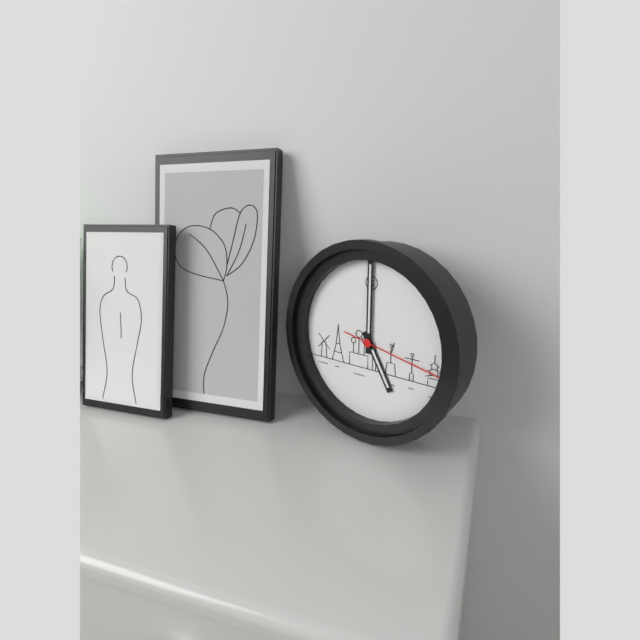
{"hour": 5, "minute": 0, "second": 17}
